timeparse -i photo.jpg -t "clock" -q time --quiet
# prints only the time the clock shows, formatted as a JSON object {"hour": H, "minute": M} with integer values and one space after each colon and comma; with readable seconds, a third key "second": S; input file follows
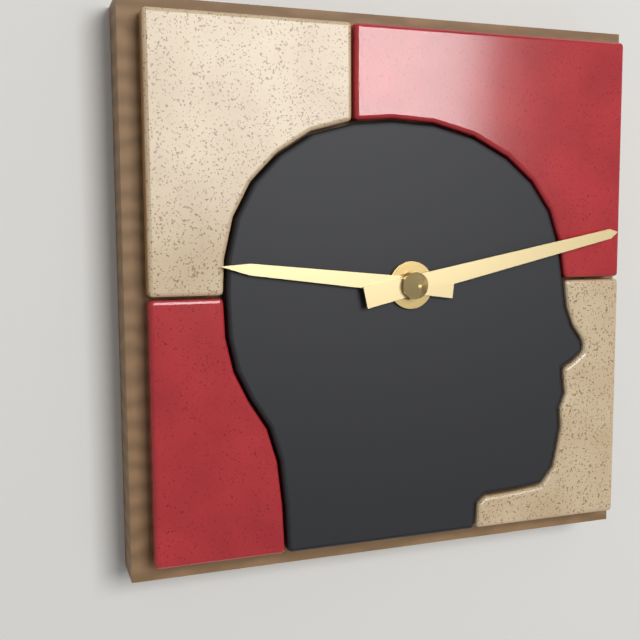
{"hour": 9, "minute": 13}
